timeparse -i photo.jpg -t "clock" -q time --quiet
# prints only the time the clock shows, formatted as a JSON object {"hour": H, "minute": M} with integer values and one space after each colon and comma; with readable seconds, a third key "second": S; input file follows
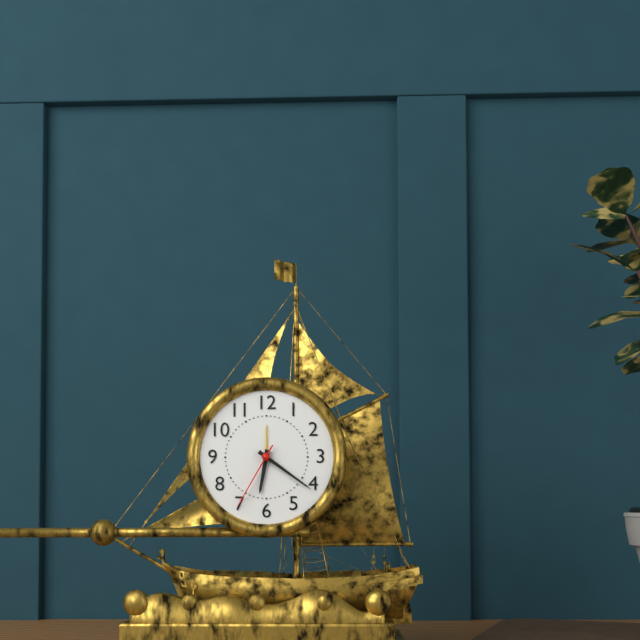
{"hour": 6, "minute": 21, "second": 35}
